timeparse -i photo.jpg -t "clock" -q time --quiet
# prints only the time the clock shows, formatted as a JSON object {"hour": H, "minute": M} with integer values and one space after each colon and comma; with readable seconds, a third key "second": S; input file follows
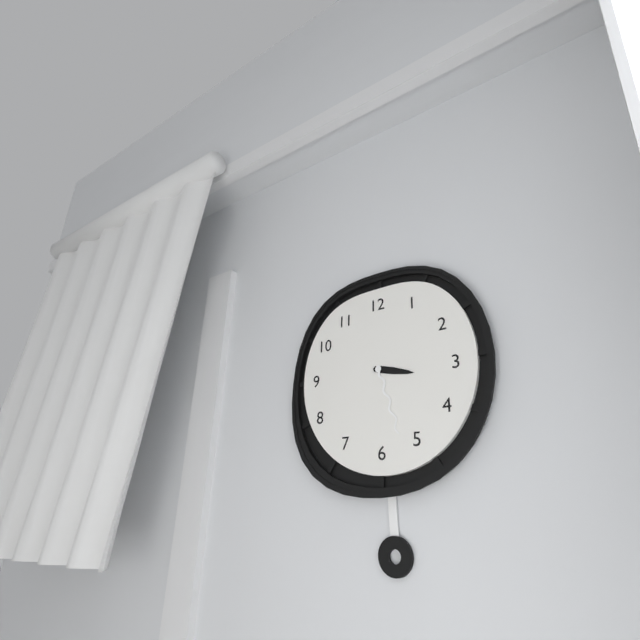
{"hour": 3, "minute": 27}
